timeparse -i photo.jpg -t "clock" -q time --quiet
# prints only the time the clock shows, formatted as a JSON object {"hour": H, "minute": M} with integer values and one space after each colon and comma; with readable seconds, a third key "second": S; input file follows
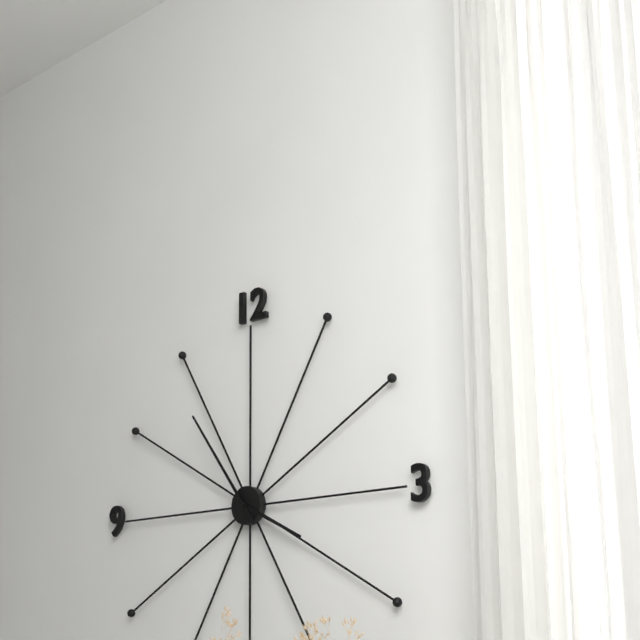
{"hour": 3, "minute": 54}
